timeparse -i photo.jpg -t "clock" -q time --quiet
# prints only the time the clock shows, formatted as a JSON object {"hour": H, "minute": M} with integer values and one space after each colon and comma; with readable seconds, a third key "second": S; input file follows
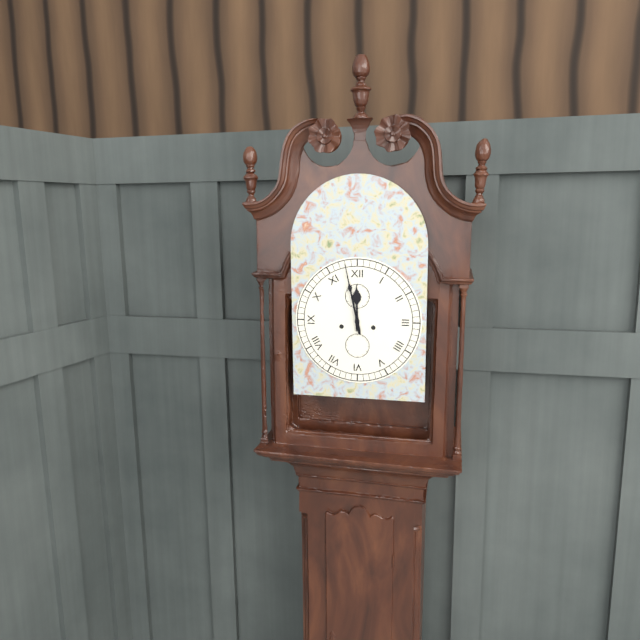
{"hour": 11, "minute": 58}
